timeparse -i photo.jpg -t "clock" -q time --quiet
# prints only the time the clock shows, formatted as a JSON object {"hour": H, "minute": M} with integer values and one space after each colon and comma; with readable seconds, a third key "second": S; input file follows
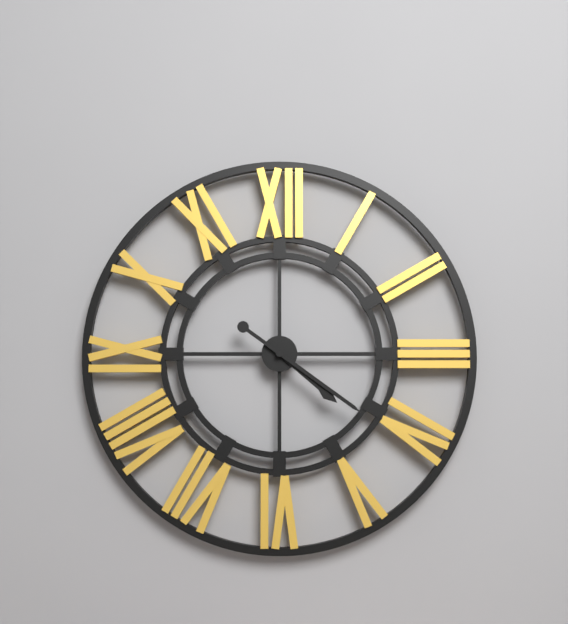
{"hour": 4, "minute": 21}
